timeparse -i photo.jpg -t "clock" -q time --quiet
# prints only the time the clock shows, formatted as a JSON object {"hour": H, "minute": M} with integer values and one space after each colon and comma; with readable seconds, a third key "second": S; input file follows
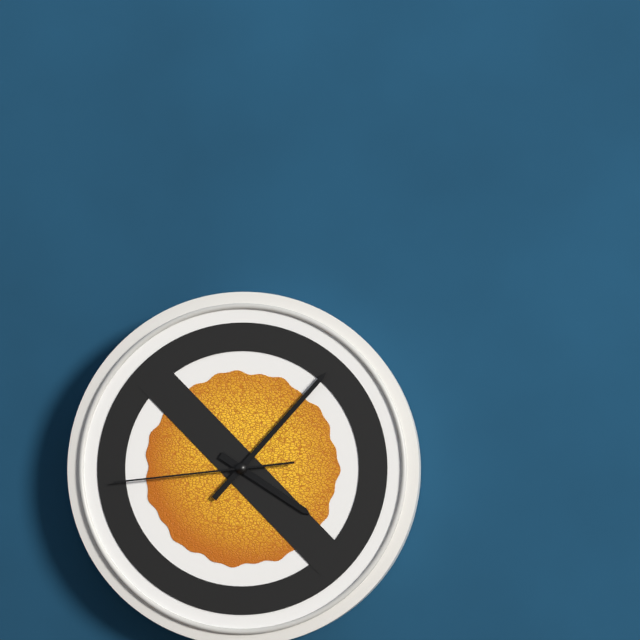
{"hour": 4, "minute": 7, "second": 44}
